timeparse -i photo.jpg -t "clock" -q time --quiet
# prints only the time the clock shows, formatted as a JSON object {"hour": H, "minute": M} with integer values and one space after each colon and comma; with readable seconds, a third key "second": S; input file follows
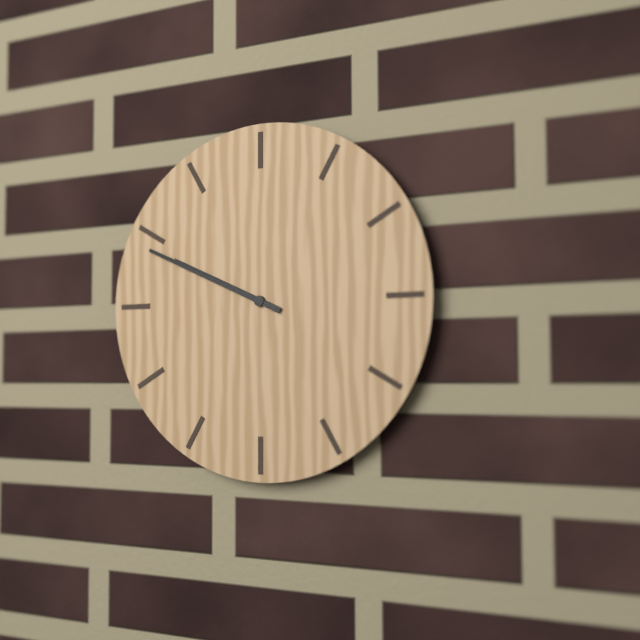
{"hour": 9, "minute": 49}
